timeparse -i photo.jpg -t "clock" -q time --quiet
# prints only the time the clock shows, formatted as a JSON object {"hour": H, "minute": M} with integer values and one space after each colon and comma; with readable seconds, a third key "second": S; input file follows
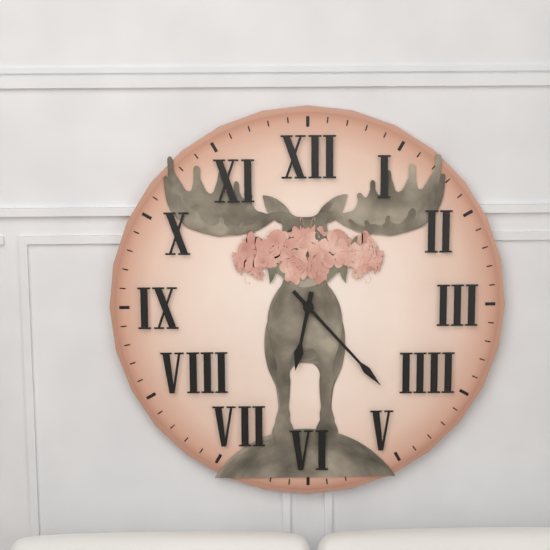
{"hour": 6, "minute": 23}
